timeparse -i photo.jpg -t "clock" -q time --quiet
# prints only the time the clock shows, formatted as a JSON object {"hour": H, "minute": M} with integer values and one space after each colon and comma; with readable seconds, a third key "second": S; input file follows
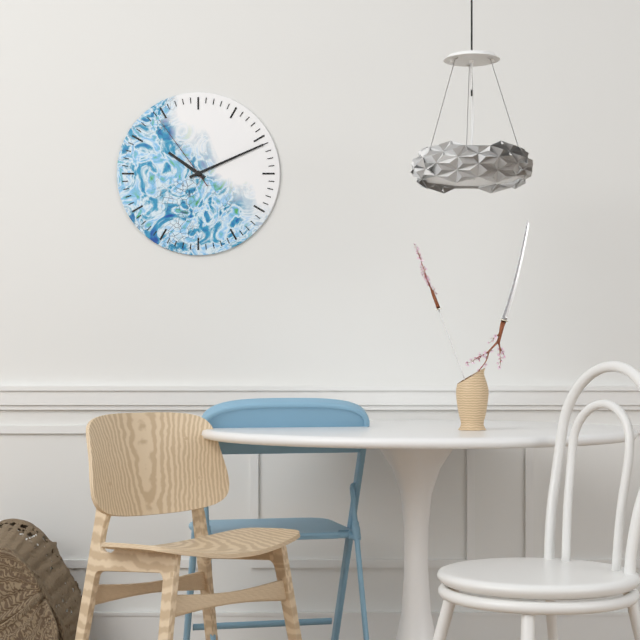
{"hour": 10, "minute": 11, "second": 54}
